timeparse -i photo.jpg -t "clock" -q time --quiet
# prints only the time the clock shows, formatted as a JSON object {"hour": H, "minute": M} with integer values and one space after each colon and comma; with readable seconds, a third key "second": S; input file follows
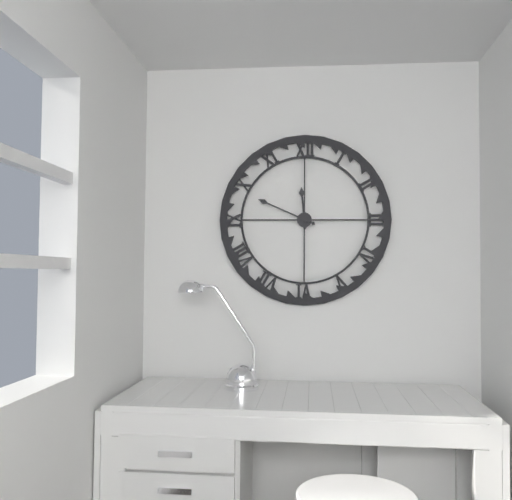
{"hour": 11, "minute": 49}
